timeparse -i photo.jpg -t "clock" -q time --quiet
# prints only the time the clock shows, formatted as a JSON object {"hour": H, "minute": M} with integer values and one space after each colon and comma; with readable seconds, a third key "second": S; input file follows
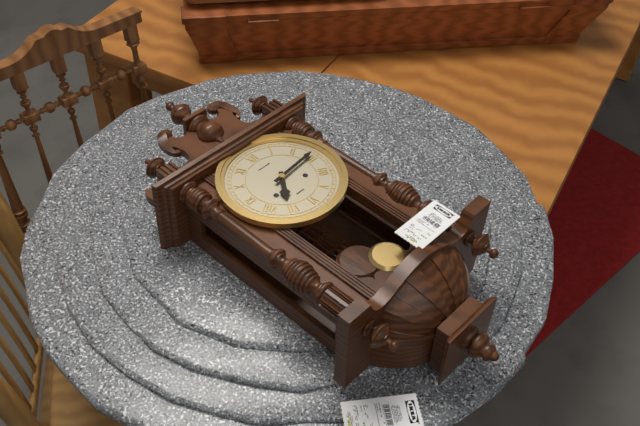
{"hour": 7, "minute": 14}
